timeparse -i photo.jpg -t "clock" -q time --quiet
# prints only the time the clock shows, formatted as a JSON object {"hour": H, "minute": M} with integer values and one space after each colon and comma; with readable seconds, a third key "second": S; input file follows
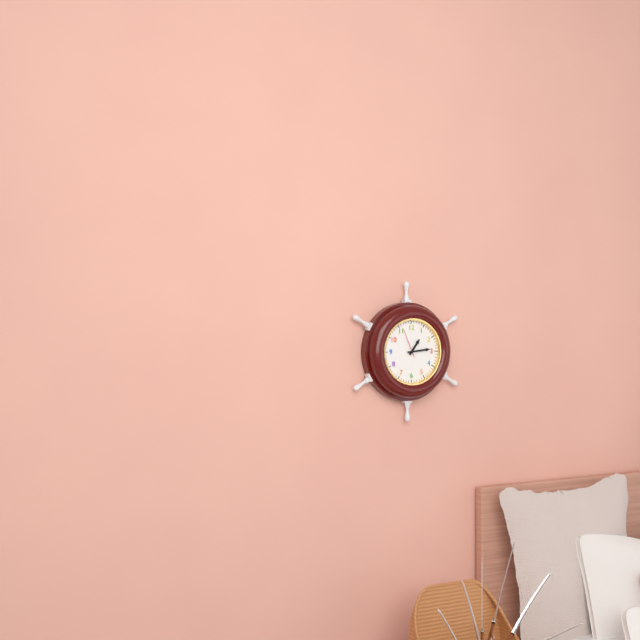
{"hour": 1, "minute": 14}
